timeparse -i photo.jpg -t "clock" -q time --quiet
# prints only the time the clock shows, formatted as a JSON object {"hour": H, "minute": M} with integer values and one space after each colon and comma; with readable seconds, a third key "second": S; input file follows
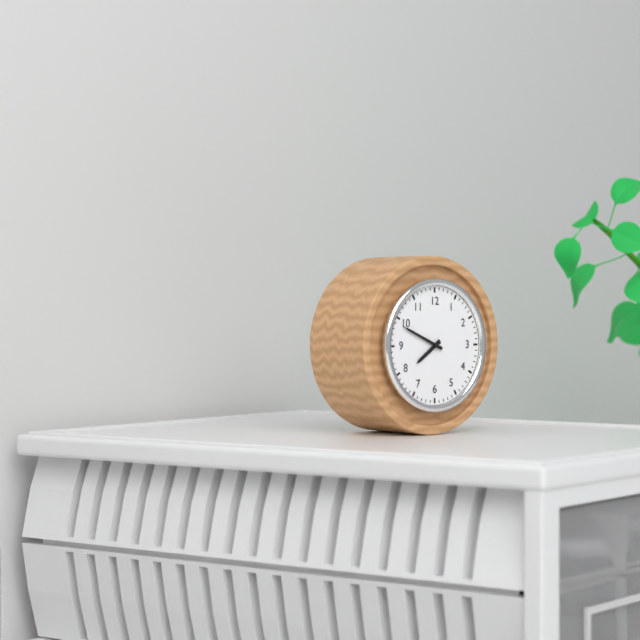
{"hour": 7, "minute": 49}
